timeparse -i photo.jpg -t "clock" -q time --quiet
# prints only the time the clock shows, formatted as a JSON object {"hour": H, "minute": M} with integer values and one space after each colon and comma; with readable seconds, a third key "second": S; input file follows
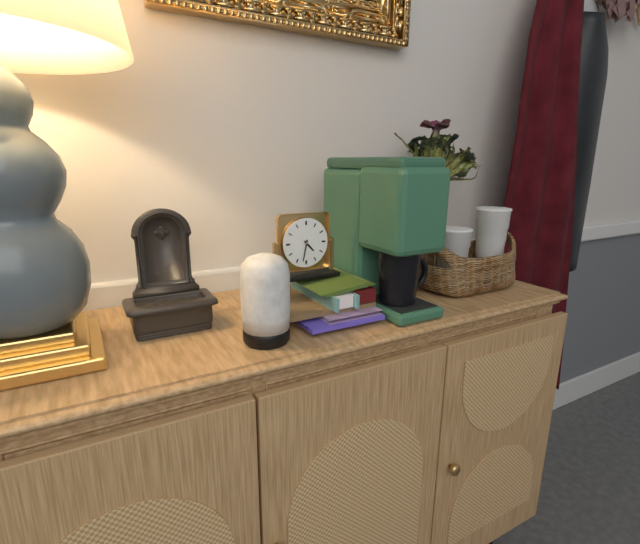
{"hour": 4, "minute": 32}
